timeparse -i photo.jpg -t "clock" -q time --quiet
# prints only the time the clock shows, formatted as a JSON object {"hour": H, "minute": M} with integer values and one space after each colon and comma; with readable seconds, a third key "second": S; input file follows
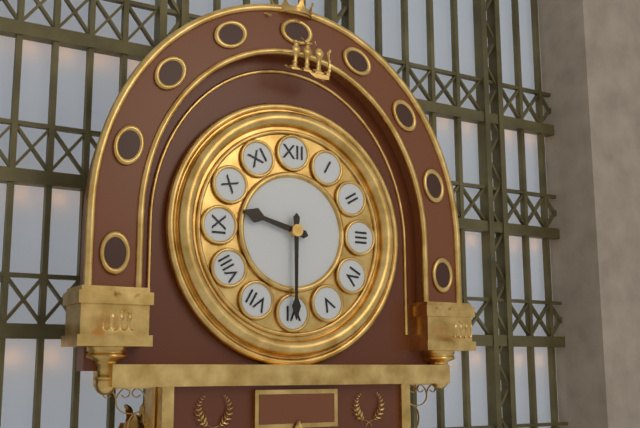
{"hour": 9, "minute": 30}
